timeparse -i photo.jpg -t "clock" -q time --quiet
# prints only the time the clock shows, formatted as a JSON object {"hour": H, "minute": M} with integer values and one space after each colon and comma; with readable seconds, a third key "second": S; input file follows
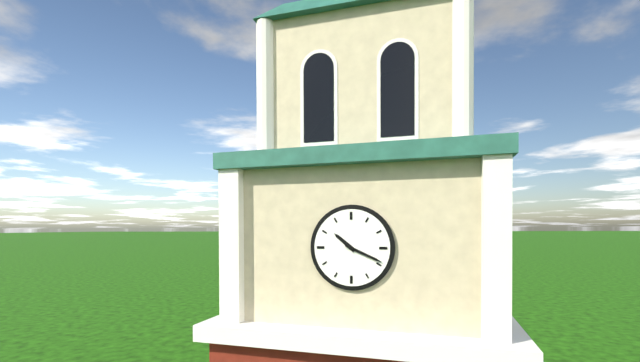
{"hour": 10, "minute": 19}
